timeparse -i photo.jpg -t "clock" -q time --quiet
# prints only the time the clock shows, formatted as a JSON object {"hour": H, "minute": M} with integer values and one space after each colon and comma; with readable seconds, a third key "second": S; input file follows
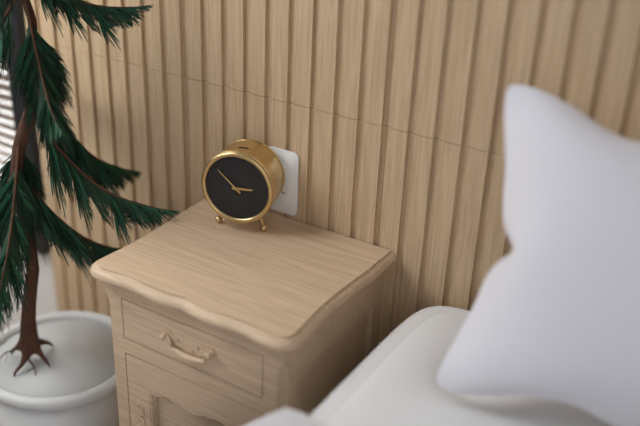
{"hour": 2, "minute": 52}
